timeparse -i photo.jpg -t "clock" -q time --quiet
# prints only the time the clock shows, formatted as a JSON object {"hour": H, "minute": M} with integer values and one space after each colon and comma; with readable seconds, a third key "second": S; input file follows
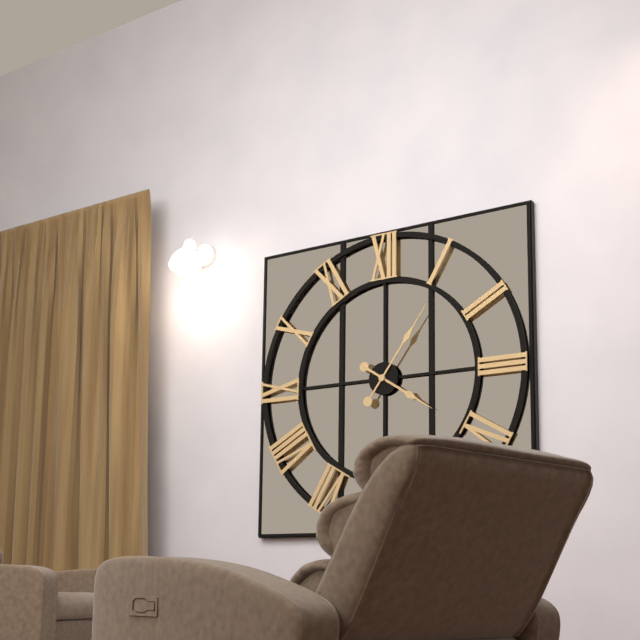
{"hour": 4, "minute": 6}
